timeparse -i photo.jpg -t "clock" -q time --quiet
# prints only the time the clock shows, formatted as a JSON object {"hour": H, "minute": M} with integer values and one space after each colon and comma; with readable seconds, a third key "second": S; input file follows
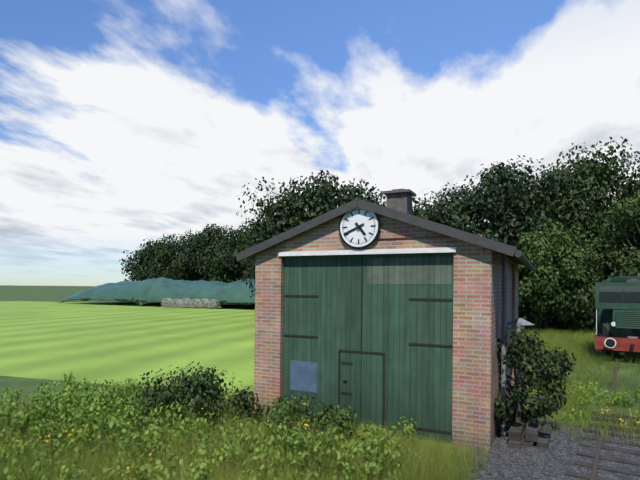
{"hour": 4, "minute": 41}
